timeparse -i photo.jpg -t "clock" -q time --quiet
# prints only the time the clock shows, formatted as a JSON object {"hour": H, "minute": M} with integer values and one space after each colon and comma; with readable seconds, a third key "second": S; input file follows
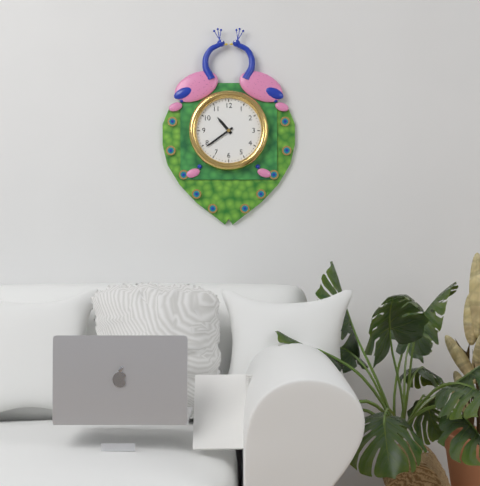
{"hour": 10, "minute": 39}
